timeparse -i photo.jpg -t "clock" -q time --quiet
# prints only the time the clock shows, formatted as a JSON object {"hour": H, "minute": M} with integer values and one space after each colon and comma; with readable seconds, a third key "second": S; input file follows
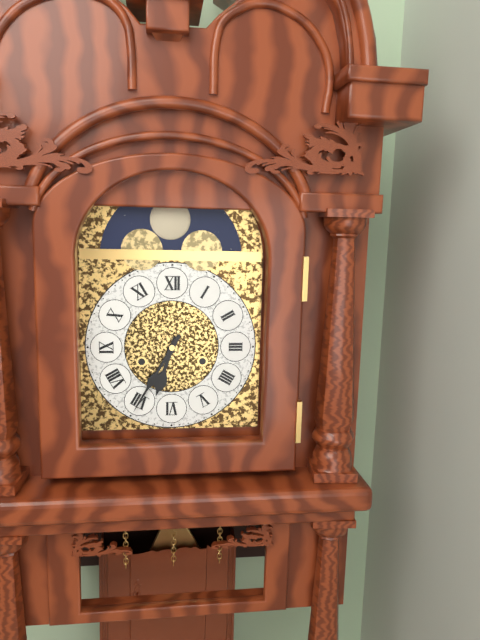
{"hour": 6, "minute": 35}
